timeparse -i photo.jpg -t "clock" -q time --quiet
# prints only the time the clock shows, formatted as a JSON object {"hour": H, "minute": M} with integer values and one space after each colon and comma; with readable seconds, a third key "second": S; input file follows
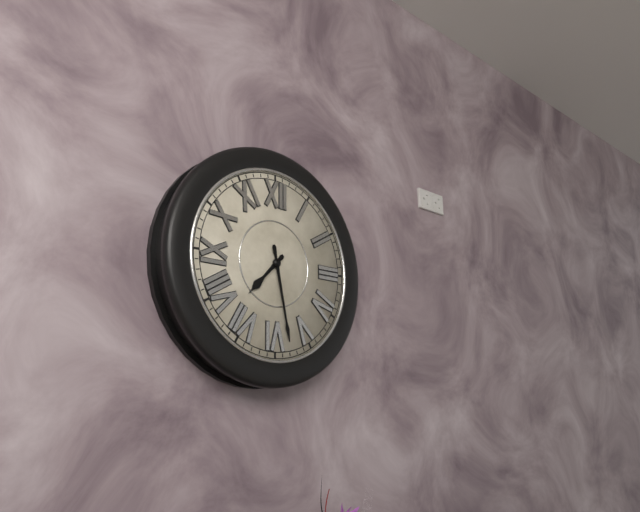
{"hour": 7, "minute": 28}
